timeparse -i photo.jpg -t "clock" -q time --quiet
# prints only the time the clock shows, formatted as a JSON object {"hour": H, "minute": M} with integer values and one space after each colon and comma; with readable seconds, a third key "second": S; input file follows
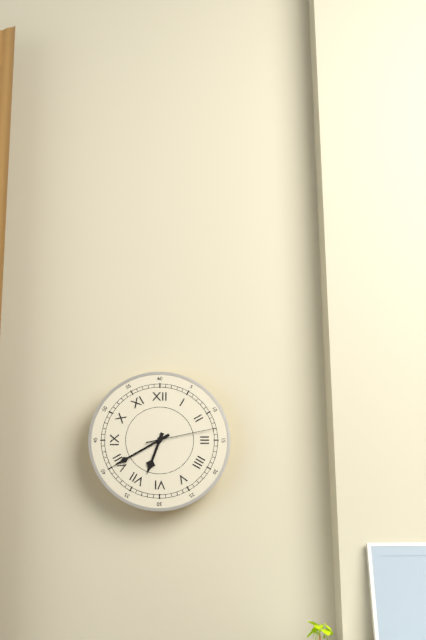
{"hour": 6, "minute": 40, "second": 13}
